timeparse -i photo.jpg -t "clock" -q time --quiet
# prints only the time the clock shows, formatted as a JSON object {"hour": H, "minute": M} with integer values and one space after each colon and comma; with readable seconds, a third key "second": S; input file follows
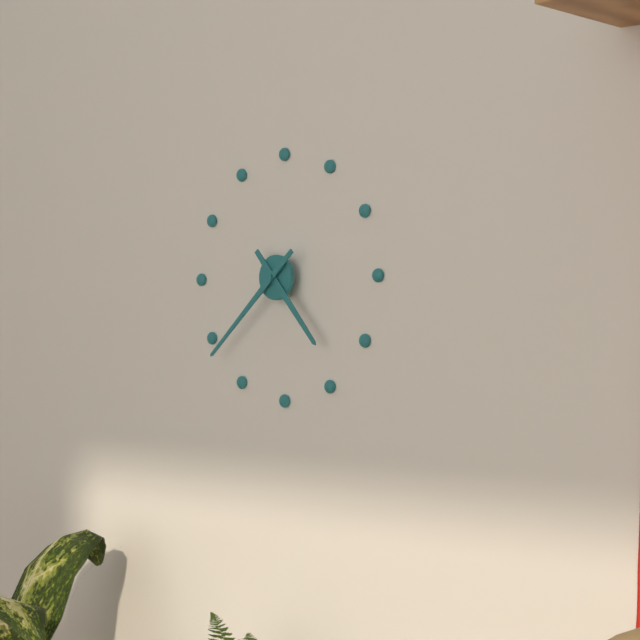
{"hour": 4, "minute": 38}
